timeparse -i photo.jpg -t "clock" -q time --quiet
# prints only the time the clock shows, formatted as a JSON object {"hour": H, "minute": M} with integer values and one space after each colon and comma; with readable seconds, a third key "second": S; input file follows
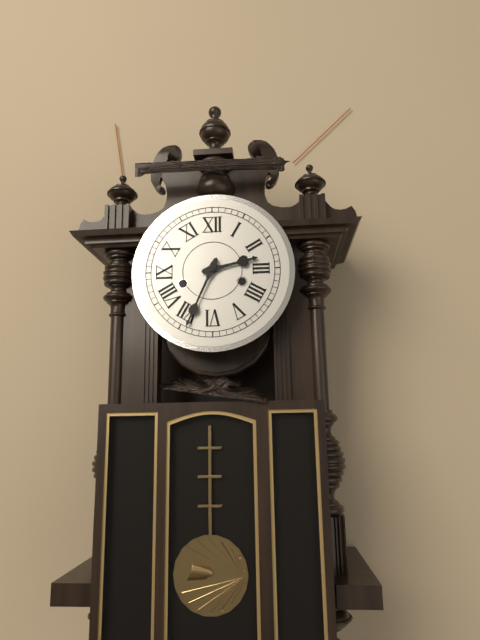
{"hour": 2, "minute": 34}
